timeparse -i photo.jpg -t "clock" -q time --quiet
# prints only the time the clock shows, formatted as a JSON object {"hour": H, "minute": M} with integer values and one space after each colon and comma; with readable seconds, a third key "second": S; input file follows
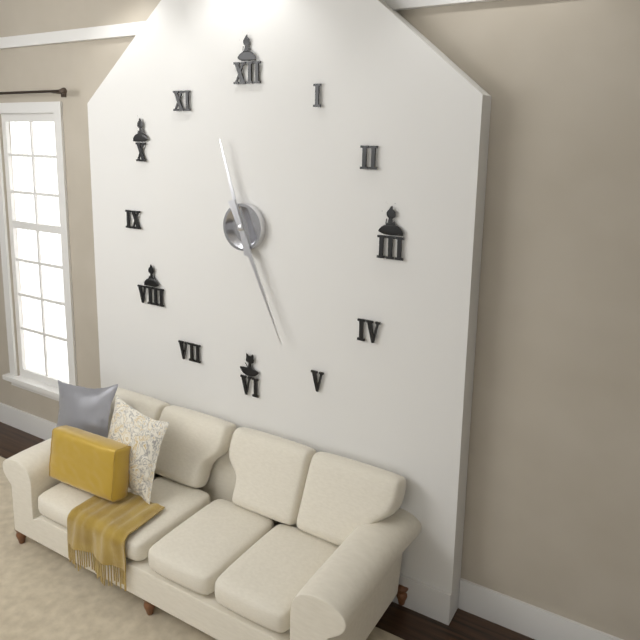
{"hour": 11, "minute": 26}
